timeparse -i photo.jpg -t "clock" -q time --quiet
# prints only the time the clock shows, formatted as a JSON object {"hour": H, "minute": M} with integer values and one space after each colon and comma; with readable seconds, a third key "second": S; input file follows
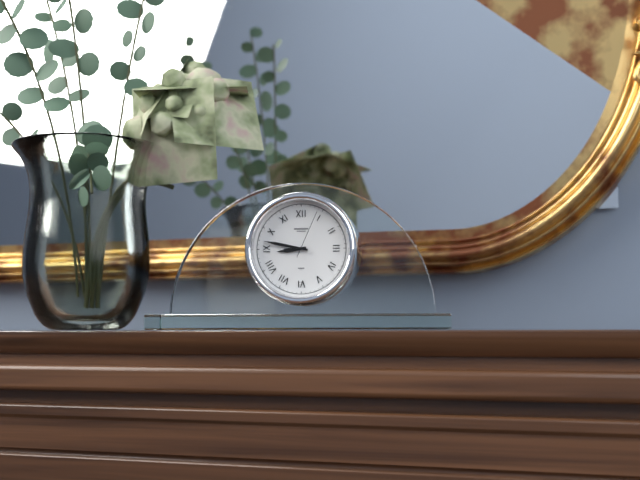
{"hour": 8, "minute": 47, "second": 4}
